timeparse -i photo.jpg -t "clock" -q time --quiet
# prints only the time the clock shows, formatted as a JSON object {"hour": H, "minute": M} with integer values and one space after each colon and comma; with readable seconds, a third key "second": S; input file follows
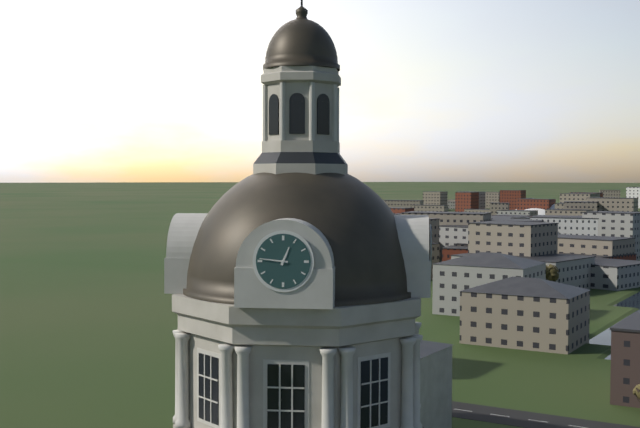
{"hour": 12, "minute": 46}
